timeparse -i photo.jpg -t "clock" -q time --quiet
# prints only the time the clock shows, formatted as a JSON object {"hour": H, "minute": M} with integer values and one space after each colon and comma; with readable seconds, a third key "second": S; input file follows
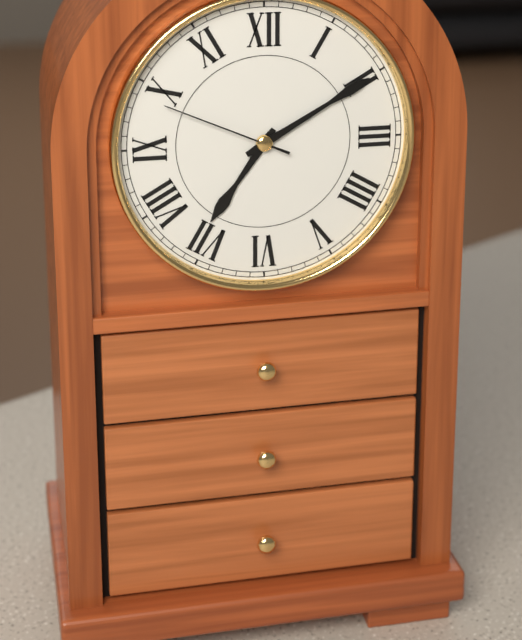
{"hour": 7, "minute": 10, "second": 49}
